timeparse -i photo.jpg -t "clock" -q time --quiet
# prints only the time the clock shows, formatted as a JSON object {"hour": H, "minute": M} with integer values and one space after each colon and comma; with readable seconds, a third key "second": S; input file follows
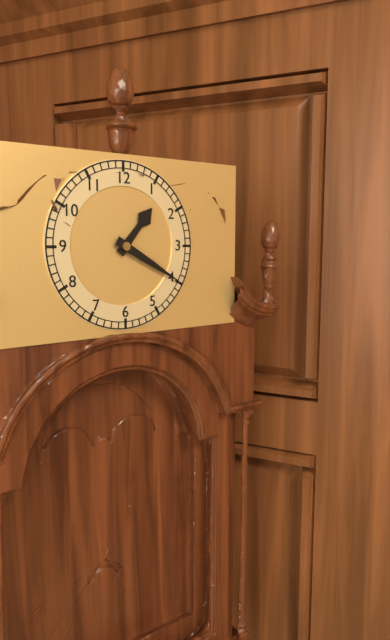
{"hour": 1, "minute": 20}
